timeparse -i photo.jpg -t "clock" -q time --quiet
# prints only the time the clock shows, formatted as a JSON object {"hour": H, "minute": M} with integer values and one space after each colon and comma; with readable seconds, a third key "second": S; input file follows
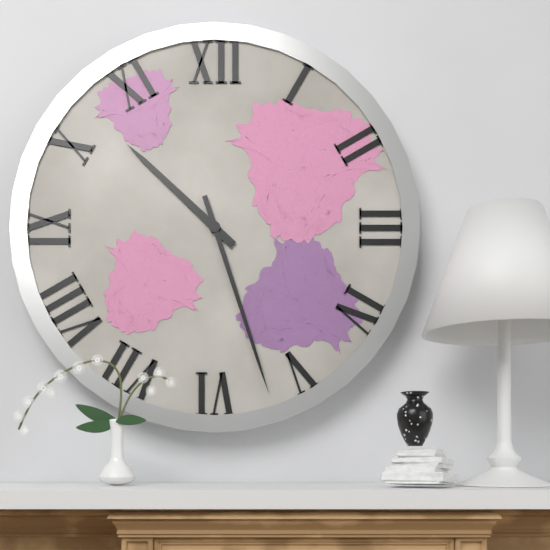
{"hour": 10, "minute": 27}
